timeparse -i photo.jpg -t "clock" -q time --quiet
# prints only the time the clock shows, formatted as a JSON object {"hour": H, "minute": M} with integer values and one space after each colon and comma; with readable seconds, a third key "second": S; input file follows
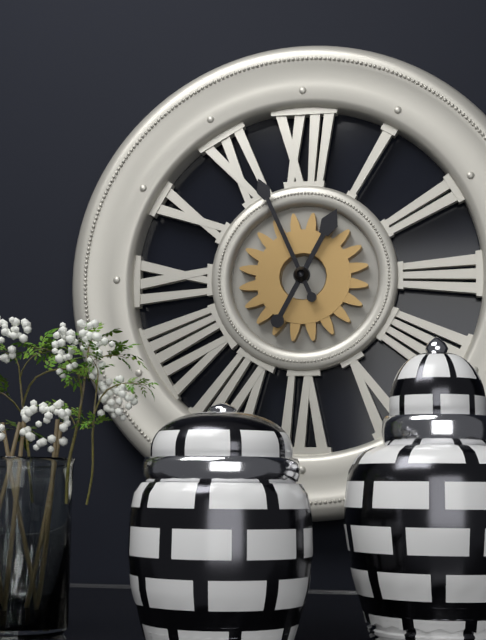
{"hour": 12, "minute": 56}
